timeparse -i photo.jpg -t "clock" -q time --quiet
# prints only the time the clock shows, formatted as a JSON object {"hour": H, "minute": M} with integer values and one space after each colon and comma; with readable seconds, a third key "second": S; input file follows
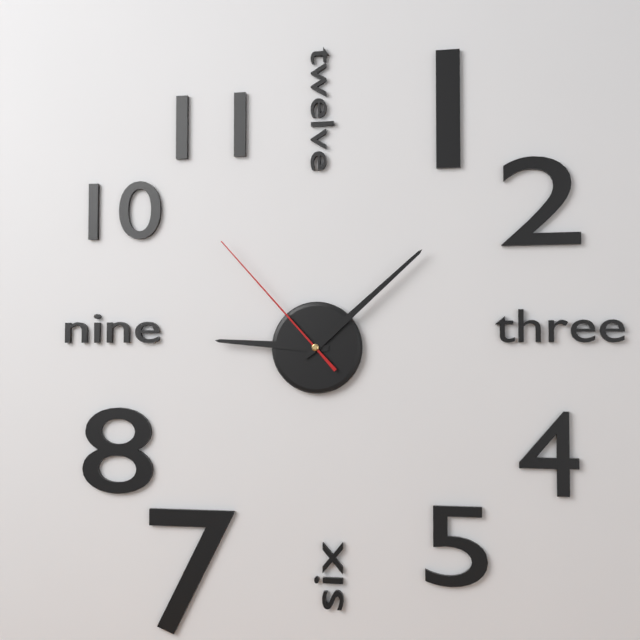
{"hour": 9, "minute": 8, "second": 53}
